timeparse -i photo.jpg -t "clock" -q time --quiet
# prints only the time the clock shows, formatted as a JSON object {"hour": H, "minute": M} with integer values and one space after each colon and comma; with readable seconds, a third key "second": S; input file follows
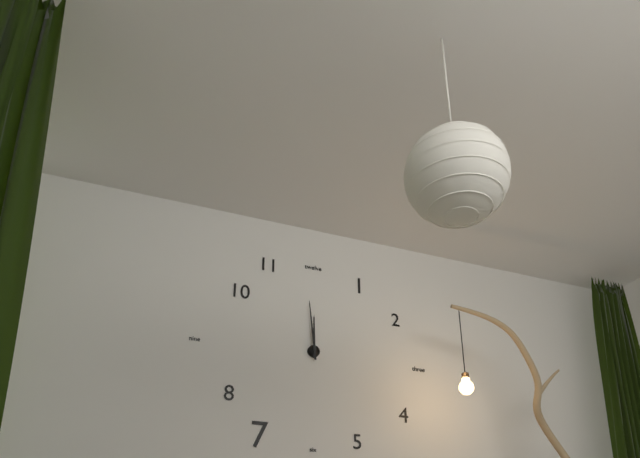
{"hour": 11, "minute": 59}
